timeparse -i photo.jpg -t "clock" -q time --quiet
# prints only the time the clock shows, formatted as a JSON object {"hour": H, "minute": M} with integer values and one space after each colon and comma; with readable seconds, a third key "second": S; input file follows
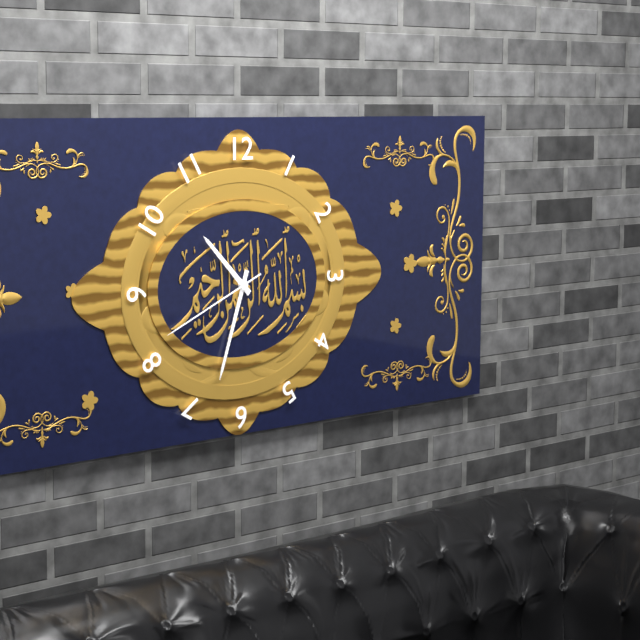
{"hour": 10, "minute": 33, "second": 41}
